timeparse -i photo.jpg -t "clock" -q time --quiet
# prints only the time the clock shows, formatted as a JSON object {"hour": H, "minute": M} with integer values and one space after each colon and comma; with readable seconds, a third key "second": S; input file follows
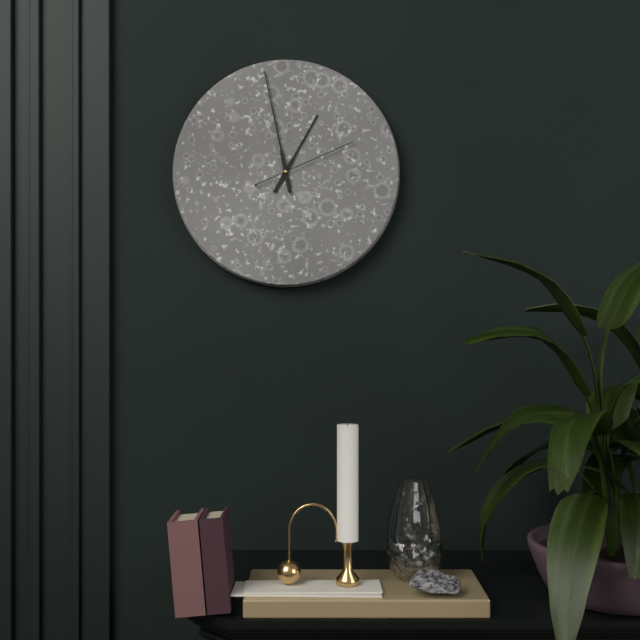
{"hour": 12, "minute": 58, "second": 11}
